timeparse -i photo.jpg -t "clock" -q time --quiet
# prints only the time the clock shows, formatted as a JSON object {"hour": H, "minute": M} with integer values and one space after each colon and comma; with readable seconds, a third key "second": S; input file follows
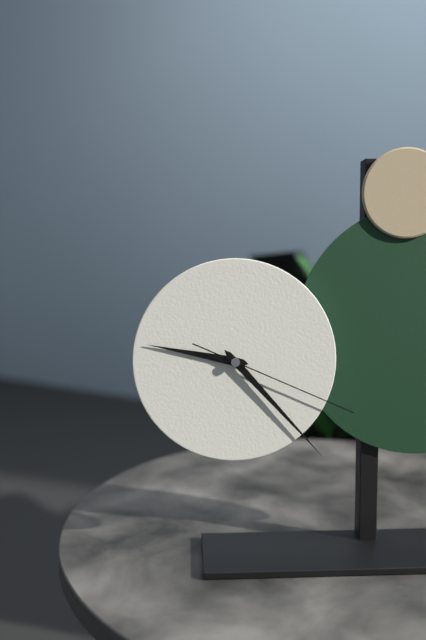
{"hour": 9, "minute": 23, "second": 19}
